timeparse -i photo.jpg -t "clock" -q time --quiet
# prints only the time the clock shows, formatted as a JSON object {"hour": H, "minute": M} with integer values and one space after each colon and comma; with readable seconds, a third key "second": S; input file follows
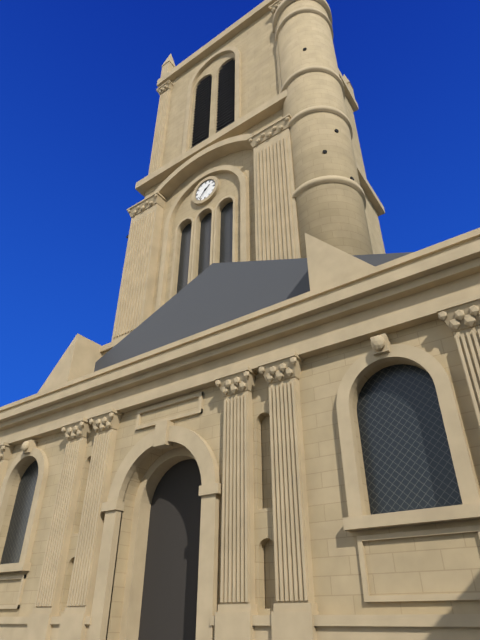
{"hour": 1, "minute": 36}
